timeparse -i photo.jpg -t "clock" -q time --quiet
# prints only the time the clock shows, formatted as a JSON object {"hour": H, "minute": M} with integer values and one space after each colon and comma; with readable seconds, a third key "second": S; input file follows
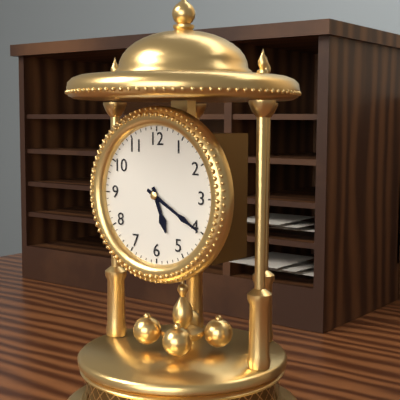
{"hour": 5, "minute": 20}
